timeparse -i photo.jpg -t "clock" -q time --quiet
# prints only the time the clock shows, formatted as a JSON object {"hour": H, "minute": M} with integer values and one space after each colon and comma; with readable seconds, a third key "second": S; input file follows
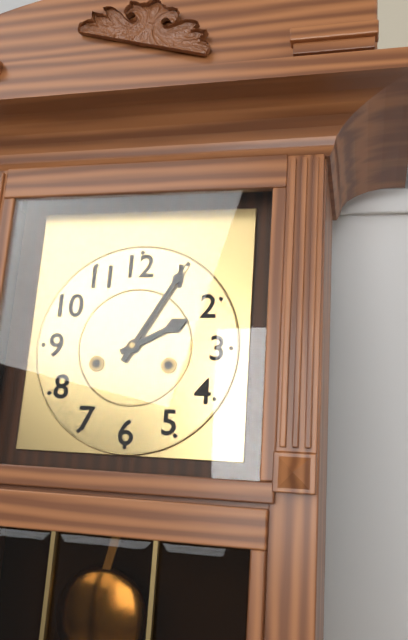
{"hour": 2, "minute": 5}
